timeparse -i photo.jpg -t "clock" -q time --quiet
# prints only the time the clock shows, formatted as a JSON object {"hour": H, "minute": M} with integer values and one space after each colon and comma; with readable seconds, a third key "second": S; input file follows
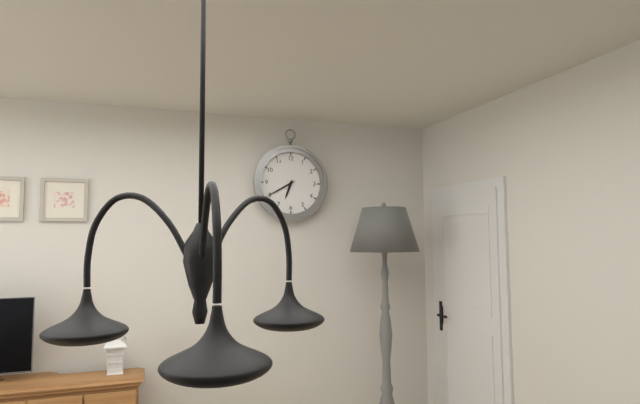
{"hour": 6, "minute": 40}
